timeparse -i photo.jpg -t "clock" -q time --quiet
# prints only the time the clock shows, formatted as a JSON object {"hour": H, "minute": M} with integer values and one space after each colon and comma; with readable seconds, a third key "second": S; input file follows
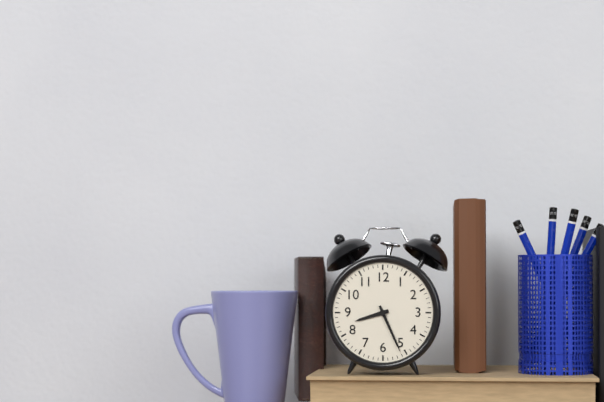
{"hour": 8, "minute": 26}
